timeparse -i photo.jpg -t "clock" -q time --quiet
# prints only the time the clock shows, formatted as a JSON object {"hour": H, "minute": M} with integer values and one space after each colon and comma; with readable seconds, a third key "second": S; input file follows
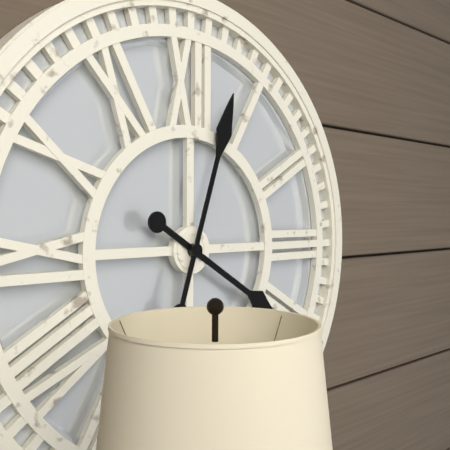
{"hour": 4, "minute": 3}
